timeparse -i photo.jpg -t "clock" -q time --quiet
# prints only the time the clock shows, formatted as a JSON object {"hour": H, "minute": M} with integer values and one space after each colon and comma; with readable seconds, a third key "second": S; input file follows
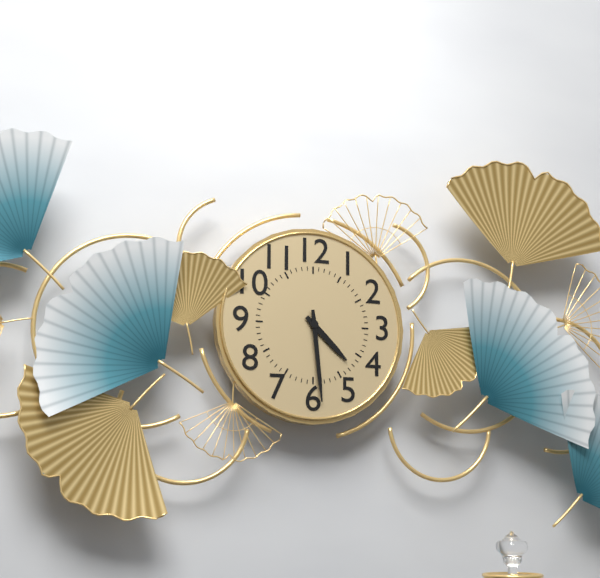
{"hour": 4, "minute": 29}
